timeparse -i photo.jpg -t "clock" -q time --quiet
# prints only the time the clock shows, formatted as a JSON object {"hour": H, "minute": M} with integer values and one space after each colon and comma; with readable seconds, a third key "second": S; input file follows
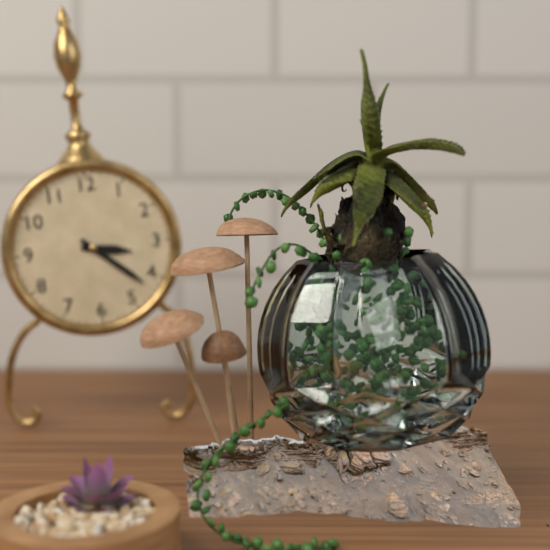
{"hour": 3, "minute": 22}
